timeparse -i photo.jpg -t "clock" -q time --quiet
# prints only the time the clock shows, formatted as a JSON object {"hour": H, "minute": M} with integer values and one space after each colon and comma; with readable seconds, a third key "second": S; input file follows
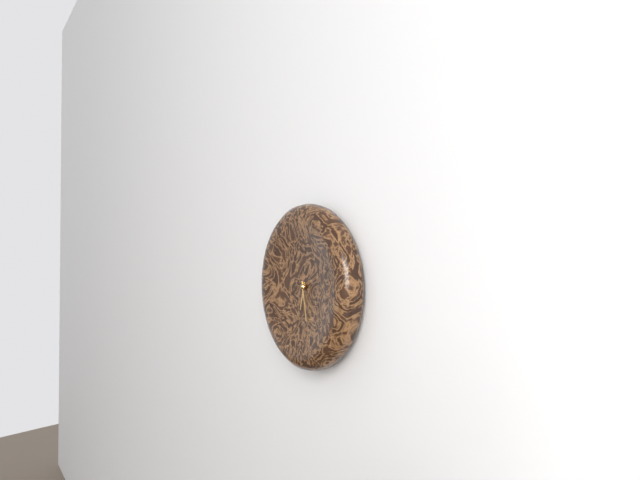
{"hour": 6, "minute": 28}
